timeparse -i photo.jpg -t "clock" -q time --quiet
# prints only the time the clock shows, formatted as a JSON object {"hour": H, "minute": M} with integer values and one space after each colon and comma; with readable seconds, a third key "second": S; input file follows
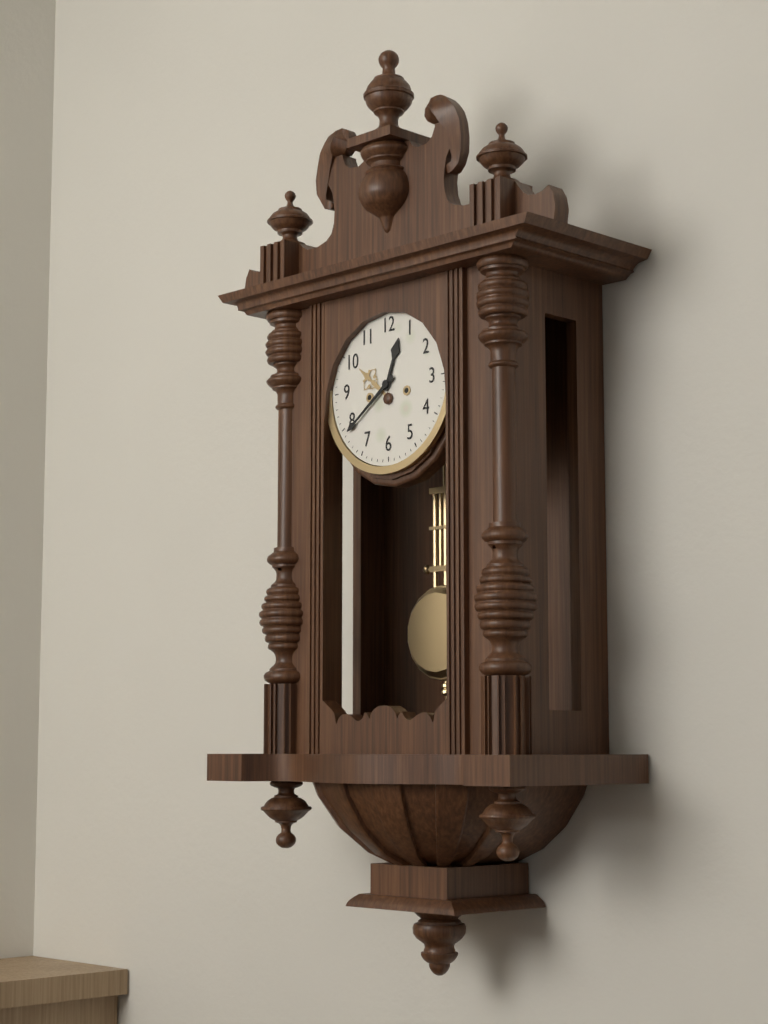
{"hour": 12, "minute": 39}
